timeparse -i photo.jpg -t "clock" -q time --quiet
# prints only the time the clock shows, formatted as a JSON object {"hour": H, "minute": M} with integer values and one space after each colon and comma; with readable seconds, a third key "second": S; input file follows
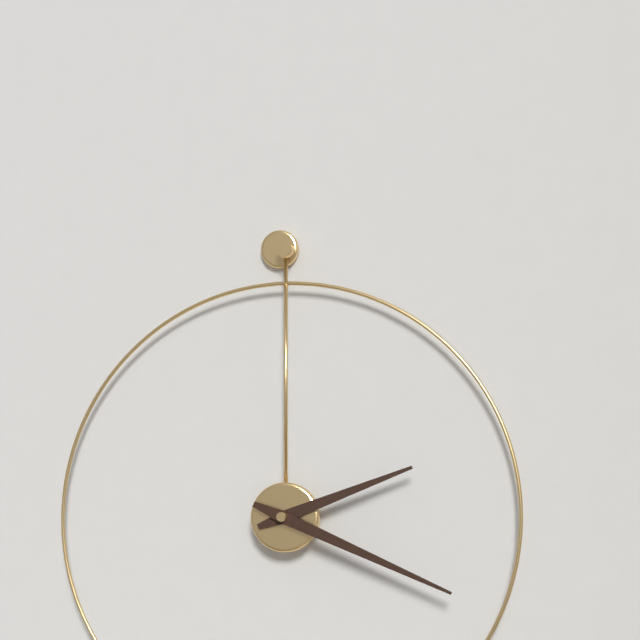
{"hour": 2, "minute": 19}
